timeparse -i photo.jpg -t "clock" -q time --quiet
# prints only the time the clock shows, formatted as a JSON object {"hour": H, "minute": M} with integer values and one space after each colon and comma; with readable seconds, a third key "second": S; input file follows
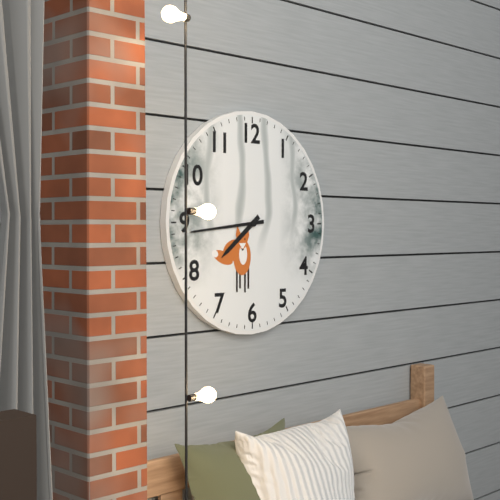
{"hour": 7, "minute": 44}
